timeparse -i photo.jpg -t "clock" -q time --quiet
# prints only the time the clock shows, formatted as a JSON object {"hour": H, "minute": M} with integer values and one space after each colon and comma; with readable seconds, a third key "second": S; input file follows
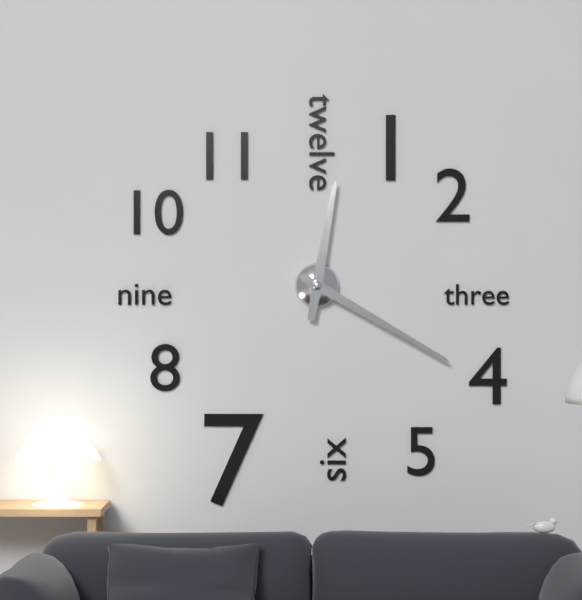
{"hour": 12, "minute": 20}
